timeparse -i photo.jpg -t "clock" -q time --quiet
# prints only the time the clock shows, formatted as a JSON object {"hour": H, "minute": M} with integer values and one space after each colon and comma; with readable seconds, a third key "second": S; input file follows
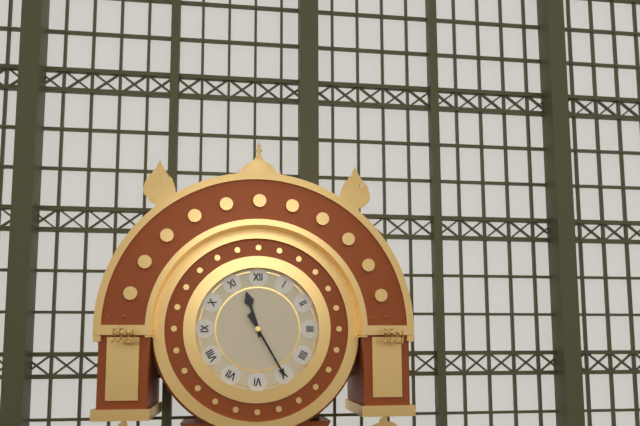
{"hour": 11, "minute": 25}
